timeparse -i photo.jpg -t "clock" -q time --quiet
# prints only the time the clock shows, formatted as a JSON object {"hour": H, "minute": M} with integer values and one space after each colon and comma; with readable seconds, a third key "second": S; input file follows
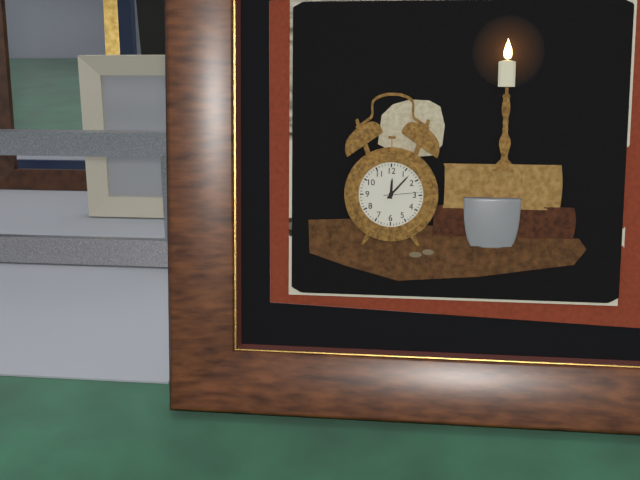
{"hour": 12, "minute": 7}
